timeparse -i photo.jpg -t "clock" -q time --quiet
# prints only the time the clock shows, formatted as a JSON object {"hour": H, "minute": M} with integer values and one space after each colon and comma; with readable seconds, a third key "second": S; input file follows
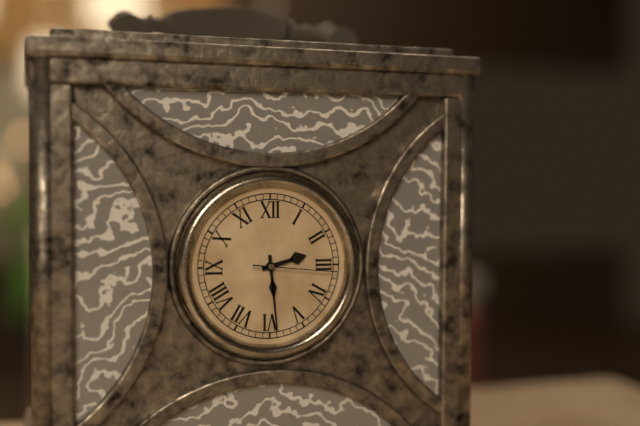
{"hour": 2, "minute": 29, "second": 16}
